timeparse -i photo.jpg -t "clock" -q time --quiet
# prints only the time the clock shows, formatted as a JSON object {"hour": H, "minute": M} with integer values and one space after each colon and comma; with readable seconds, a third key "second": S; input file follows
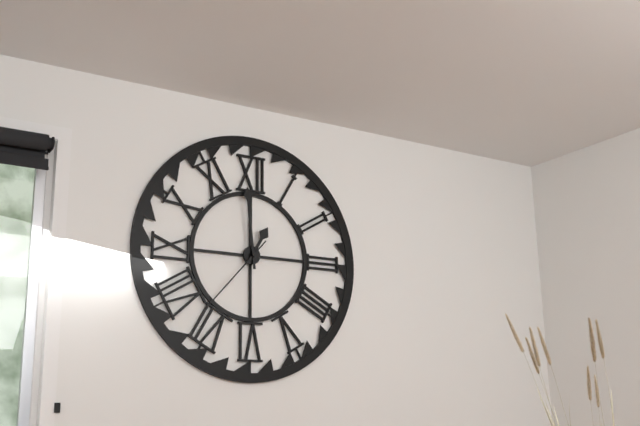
{"hour": 12, "minute": 59, "second": 37}
